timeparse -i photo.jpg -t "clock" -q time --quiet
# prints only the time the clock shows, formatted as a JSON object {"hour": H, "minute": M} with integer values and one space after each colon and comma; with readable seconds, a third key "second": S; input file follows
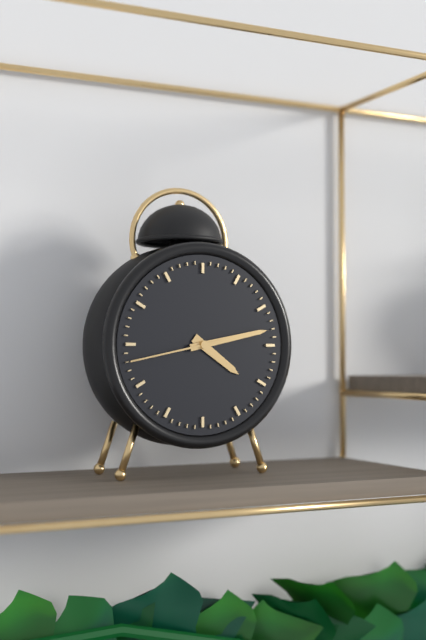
{"hour": 4, "minute": 13, "second": 43}
